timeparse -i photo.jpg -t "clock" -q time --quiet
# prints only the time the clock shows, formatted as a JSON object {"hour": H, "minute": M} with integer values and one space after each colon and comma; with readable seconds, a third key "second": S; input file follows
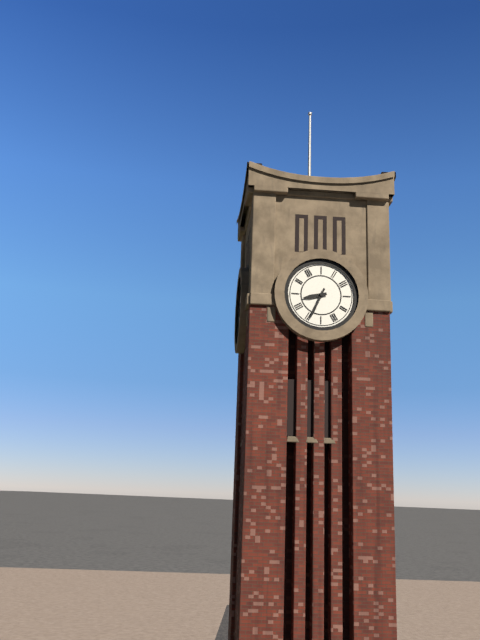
{"hour": 8, "minute": 34}
